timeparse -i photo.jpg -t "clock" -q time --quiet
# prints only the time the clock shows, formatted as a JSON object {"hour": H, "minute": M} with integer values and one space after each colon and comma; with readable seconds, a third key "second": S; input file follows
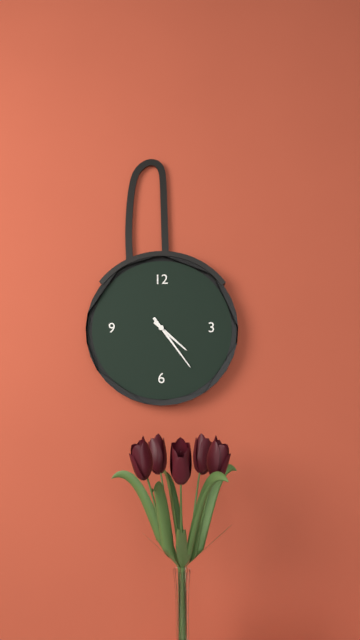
{"hour": 4, "minute": 24}
